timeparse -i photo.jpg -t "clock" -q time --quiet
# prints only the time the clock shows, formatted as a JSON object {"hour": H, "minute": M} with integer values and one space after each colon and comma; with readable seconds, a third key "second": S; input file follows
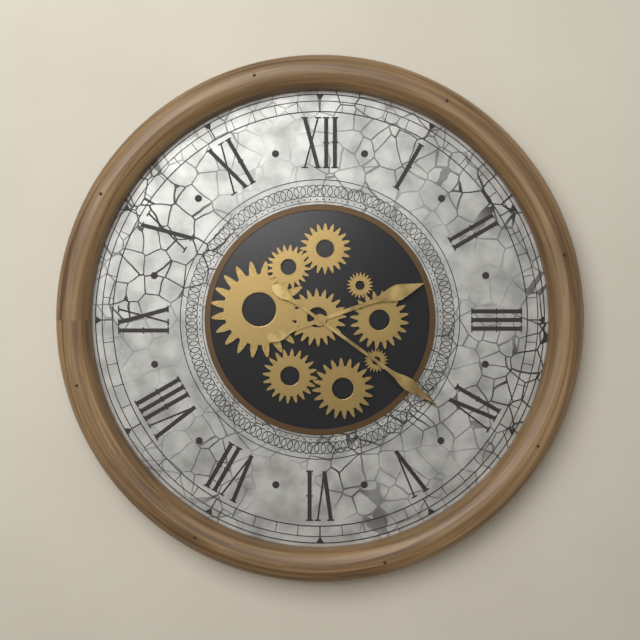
{"hour": 2, "minute": 21}
